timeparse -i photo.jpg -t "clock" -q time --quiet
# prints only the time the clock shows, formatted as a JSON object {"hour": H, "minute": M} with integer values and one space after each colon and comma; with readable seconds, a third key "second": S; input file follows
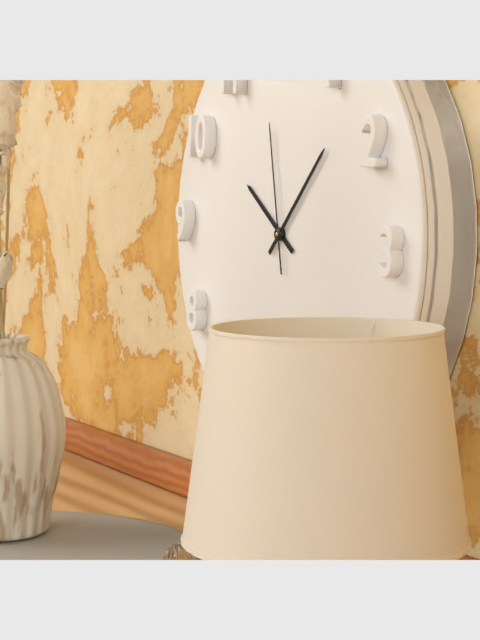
{"hour": 10, "minute": 7, "second": 58}
